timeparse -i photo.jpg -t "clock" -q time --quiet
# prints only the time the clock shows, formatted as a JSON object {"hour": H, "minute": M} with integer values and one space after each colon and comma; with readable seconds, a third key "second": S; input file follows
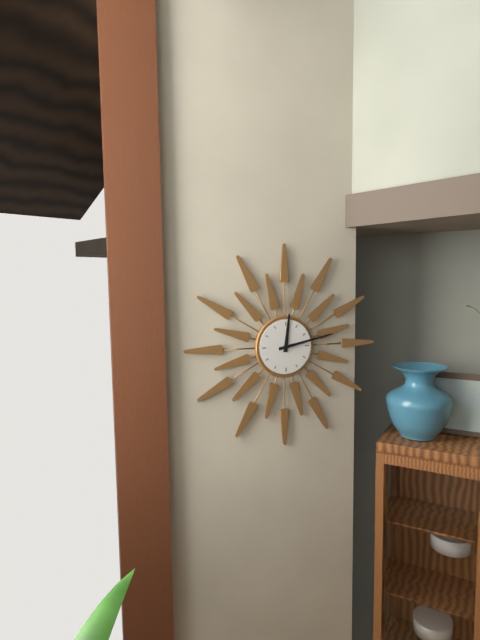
{"hour": 12, "minute": 13}
